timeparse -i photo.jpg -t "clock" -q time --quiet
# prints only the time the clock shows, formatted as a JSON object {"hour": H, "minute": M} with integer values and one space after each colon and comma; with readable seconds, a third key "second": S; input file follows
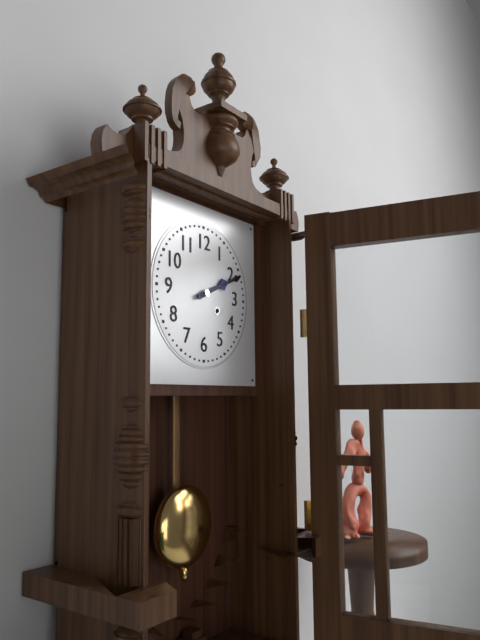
{"hour": 2, "minute": 11}
